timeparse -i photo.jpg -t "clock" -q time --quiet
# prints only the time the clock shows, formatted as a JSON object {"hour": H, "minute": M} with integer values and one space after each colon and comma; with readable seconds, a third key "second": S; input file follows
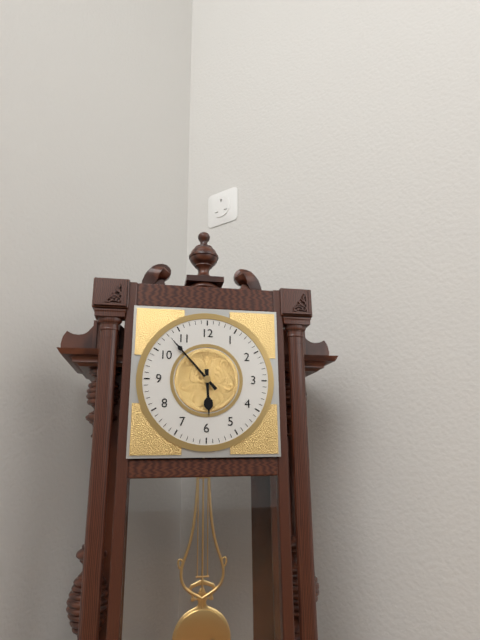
{"hour": 5, "minute": 53}
